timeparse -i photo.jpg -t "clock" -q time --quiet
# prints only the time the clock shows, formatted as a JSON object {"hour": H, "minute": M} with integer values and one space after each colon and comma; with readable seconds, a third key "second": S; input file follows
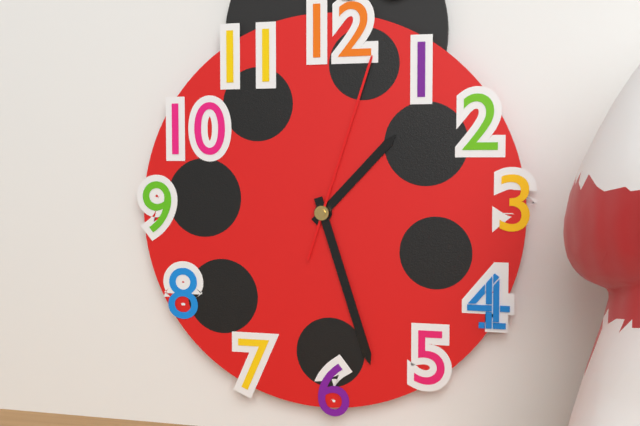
{"hour": 1, "minute": 27, "second": 3}
